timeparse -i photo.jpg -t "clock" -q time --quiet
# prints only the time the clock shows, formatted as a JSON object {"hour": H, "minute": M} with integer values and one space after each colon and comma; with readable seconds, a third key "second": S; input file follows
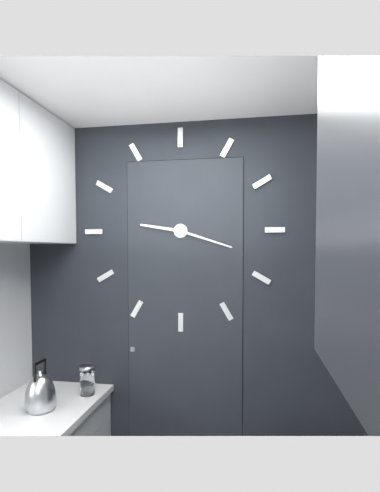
{"hour": 9, "minute": 18}
